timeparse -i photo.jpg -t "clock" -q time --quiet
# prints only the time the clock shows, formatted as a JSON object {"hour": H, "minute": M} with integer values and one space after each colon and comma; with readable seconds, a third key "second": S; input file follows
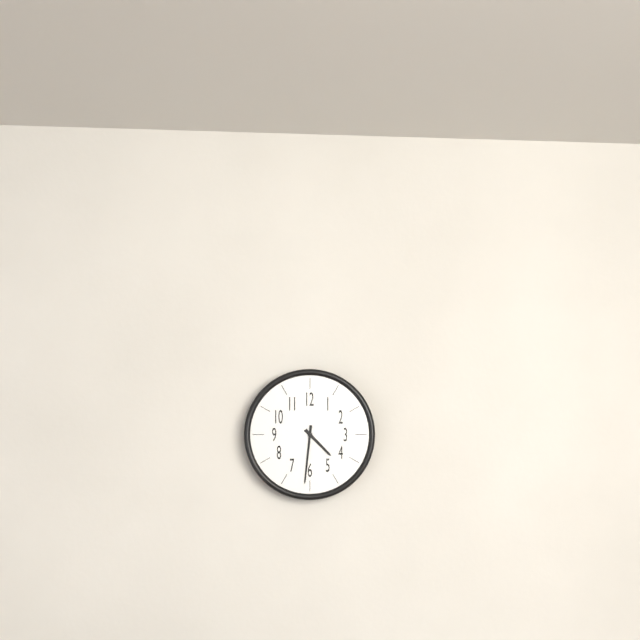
{"hour": 4, "minute": 31}
